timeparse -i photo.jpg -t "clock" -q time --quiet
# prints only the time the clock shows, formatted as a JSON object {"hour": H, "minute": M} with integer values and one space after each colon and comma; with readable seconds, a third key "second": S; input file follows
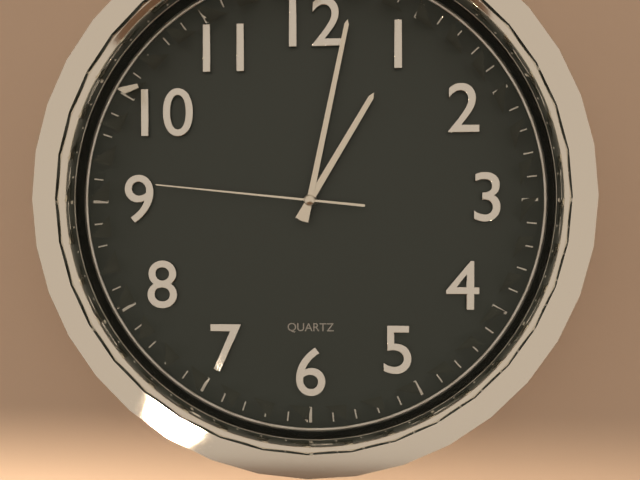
{"hour": 1, "minute": 2, "second": 46}
